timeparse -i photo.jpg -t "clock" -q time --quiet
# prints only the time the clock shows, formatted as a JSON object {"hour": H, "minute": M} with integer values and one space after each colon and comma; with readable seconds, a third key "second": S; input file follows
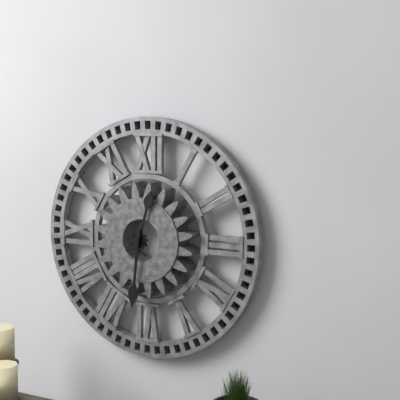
{"hour": 12, "minute": 31}
